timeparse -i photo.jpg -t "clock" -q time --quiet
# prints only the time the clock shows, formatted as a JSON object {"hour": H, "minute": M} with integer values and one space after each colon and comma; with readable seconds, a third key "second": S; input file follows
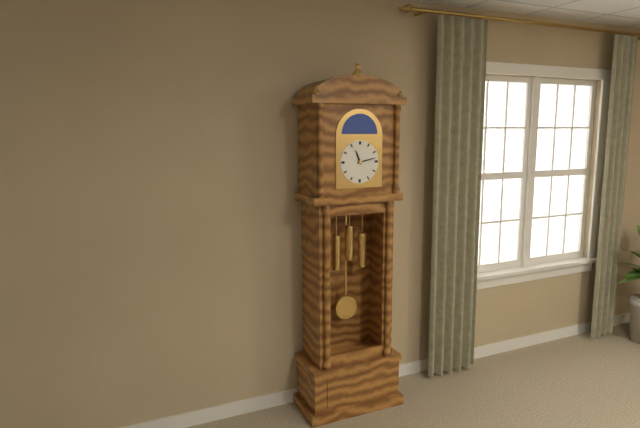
{"hour": 11, "minute": 13}
